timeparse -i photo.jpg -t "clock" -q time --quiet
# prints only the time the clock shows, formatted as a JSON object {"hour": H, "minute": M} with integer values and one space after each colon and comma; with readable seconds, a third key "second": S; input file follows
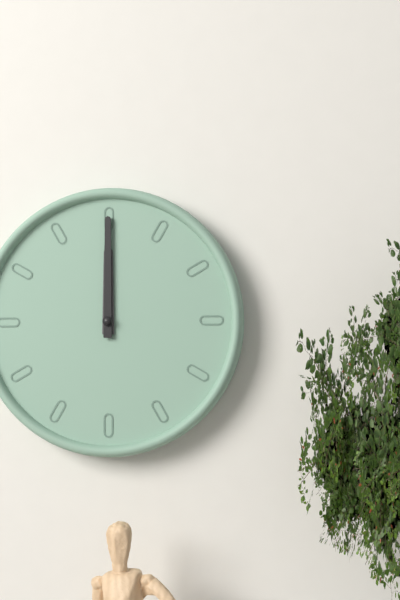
{"hour": 12, "minute": 0}
